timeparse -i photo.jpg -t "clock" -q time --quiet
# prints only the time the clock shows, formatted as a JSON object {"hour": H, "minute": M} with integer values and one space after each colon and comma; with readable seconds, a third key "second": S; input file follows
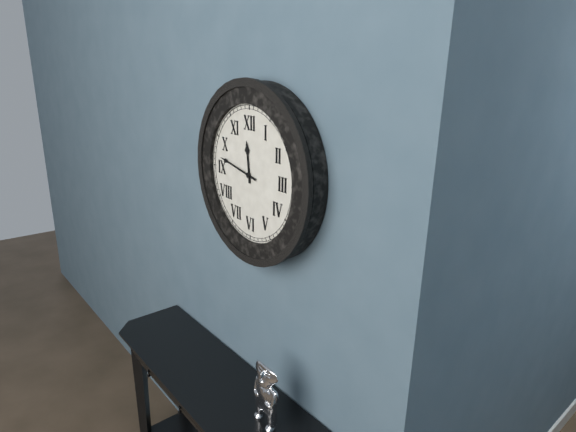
{"hour": 11, "minute": 47}
